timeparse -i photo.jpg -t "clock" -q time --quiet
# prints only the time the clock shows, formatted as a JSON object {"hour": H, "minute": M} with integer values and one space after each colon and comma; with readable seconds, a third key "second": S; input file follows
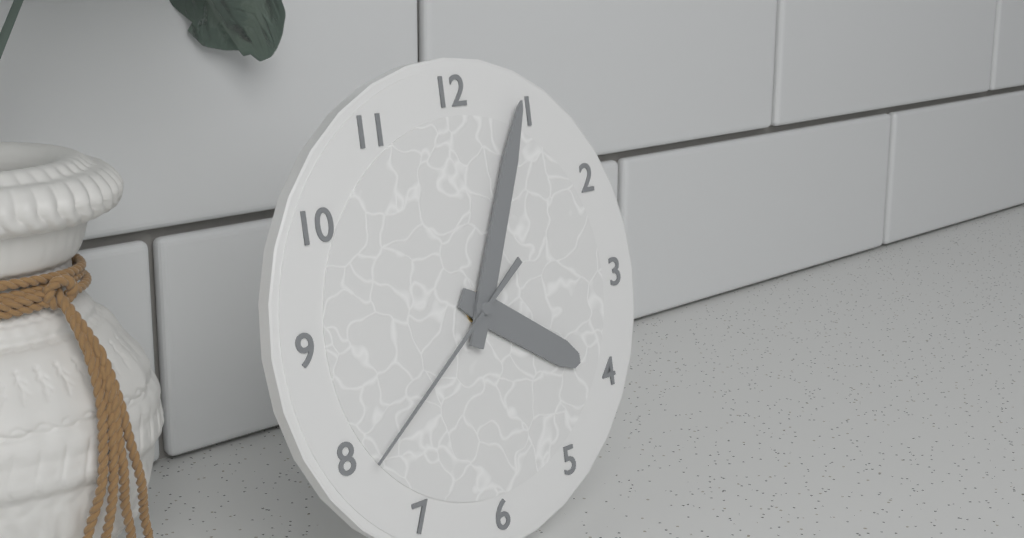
{"hour": 4, "minute": 4, "second": 39}
